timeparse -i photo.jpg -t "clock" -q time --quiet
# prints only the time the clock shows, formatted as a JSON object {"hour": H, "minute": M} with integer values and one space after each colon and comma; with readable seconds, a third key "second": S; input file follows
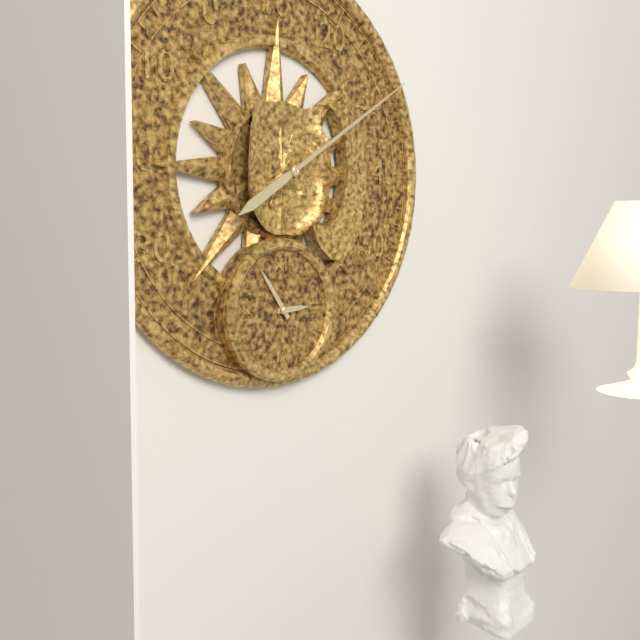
{"hour": 2, "minute": 54}
